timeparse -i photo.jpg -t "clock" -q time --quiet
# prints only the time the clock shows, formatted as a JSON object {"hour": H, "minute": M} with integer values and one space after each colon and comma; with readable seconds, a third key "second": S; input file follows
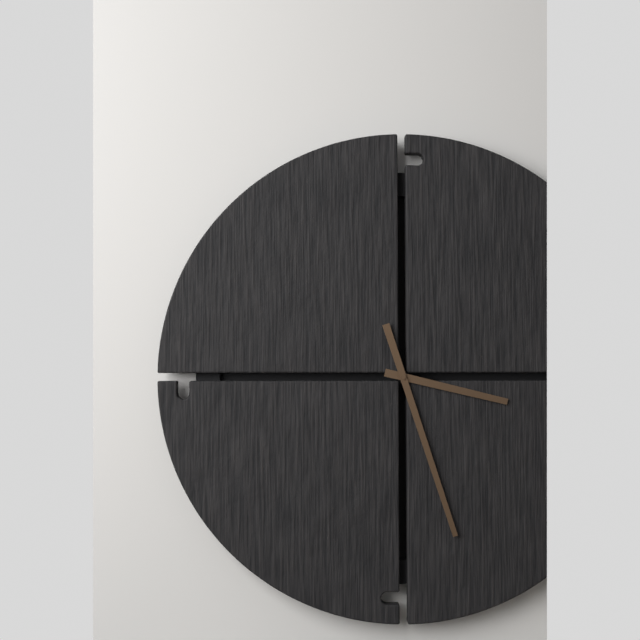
{"hour": 3, "minute": 27}
